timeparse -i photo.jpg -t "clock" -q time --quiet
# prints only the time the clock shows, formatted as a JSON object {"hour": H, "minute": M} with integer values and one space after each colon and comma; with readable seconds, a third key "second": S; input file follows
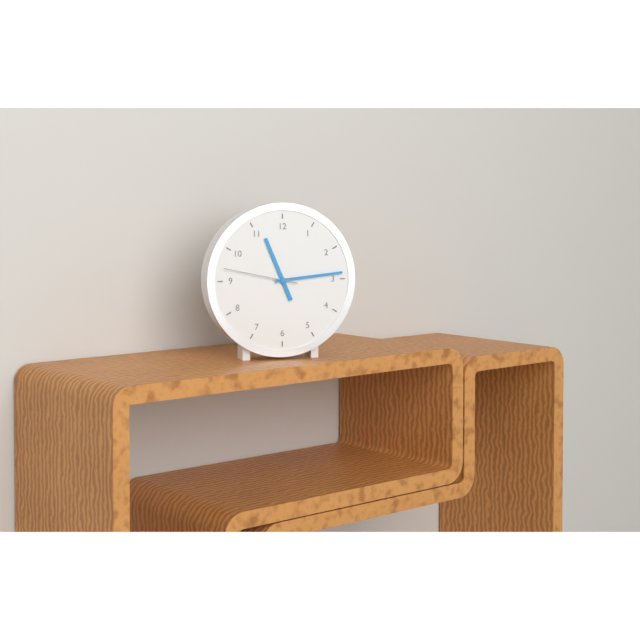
{"hour": 11, "minute": 14, "second": 47}
